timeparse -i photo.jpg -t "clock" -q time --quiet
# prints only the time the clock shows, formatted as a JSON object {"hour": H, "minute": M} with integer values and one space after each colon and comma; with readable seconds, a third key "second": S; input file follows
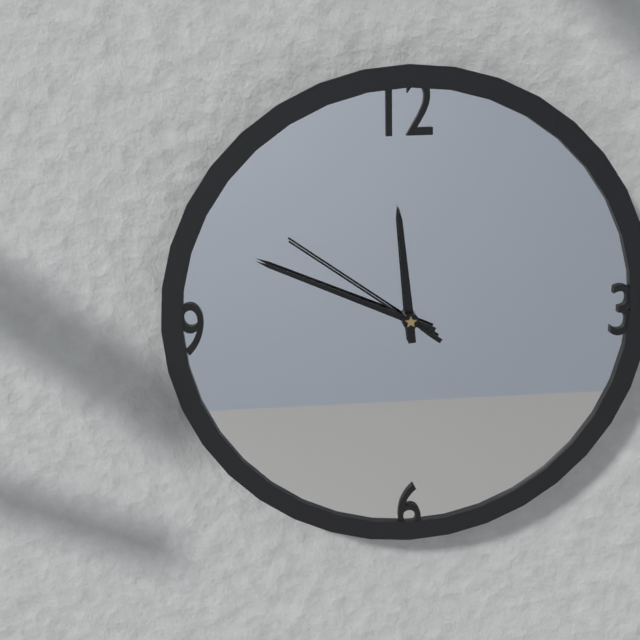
{"hour": 11, "minute": 49, "second": 51}
